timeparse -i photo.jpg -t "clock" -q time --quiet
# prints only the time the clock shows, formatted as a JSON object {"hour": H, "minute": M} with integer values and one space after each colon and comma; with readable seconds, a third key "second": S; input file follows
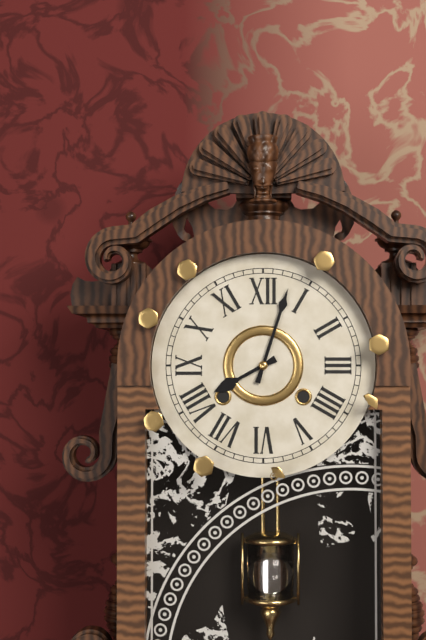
{"hour": 8, "minute": 3}
